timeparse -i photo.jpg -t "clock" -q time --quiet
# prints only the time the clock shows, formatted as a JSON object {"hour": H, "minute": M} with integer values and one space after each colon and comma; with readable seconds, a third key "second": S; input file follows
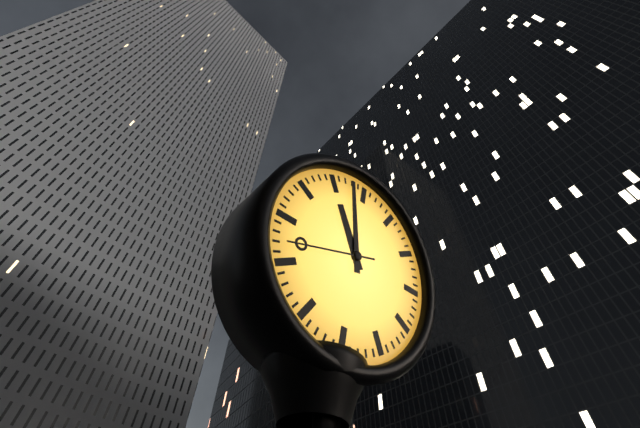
{"hour": 10, "minute": 58, "second": 42}
